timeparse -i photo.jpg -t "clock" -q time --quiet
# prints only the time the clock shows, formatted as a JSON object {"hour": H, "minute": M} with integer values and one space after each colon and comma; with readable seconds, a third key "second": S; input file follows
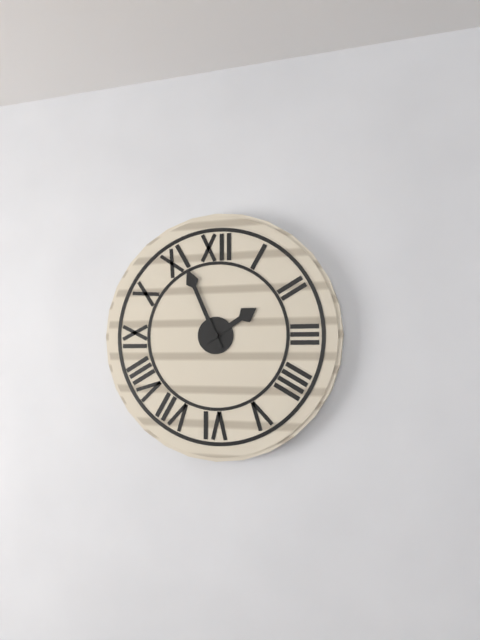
{"hour": 1, "minute": 56}
